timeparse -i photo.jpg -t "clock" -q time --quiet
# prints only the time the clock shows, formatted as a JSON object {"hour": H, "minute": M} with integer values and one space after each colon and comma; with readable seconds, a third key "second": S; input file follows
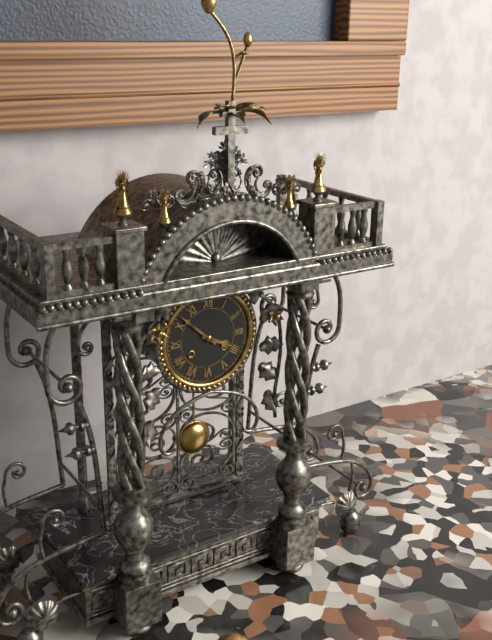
{"hour": 3, "minute": 52}
